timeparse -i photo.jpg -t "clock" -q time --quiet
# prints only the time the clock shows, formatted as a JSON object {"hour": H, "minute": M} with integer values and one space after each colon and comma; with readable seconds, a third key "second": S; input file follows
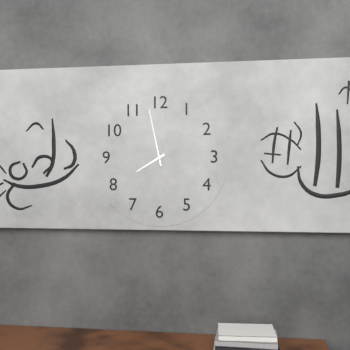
{"hour": 7, "minute": 58}
